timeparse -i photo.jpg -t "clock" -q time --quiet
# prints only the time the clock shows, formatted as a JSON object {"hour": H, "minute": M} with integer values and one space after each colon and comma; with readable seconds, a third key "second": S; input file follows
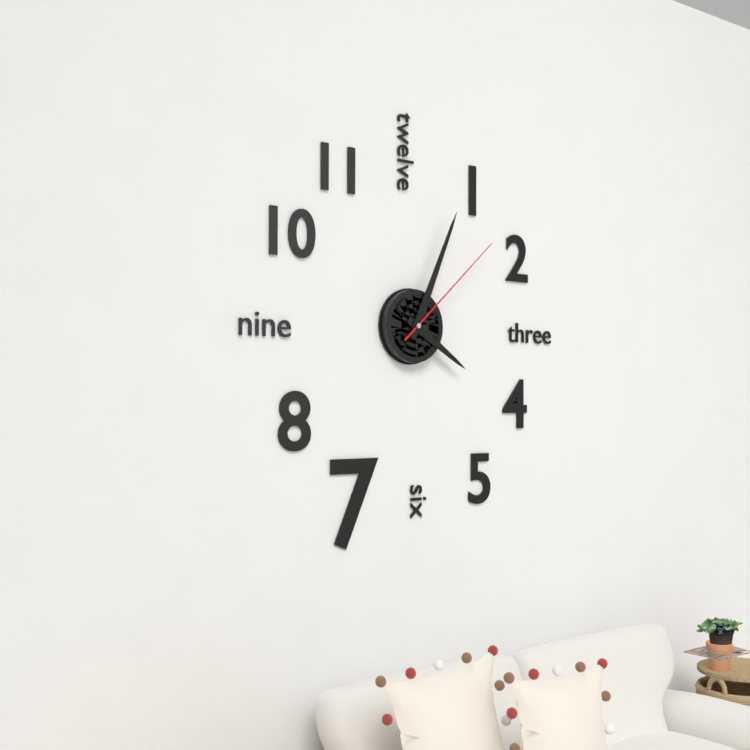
{"hour": 4, "minute": 4, "second": 8}
